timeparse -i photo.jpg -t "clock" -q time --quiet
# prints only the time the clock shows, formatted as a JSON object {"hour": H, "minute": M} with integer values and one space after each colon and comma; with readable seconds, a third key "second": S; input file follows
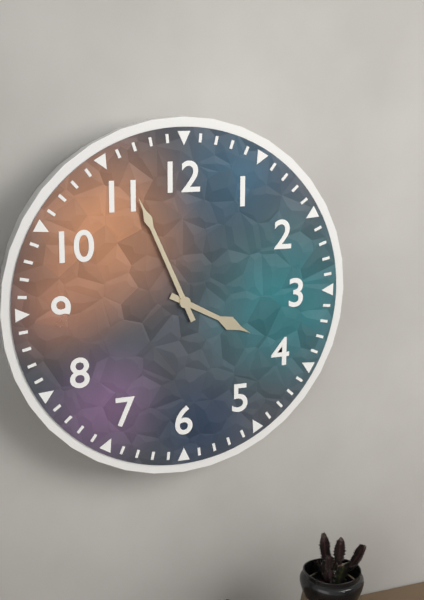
{"hour": 3, "minute": 56}
